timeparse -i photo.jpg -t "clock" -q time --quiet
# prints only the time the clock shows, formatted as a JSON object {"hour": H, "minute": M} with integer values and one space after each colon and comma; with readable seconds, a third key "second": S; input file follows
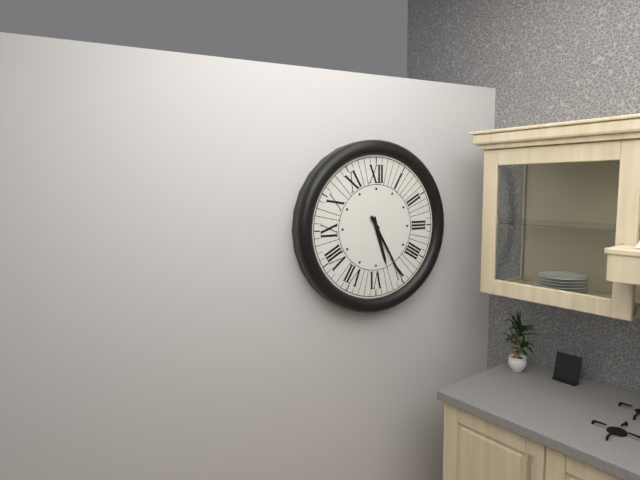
{"hour": 5, "minute": 25}
